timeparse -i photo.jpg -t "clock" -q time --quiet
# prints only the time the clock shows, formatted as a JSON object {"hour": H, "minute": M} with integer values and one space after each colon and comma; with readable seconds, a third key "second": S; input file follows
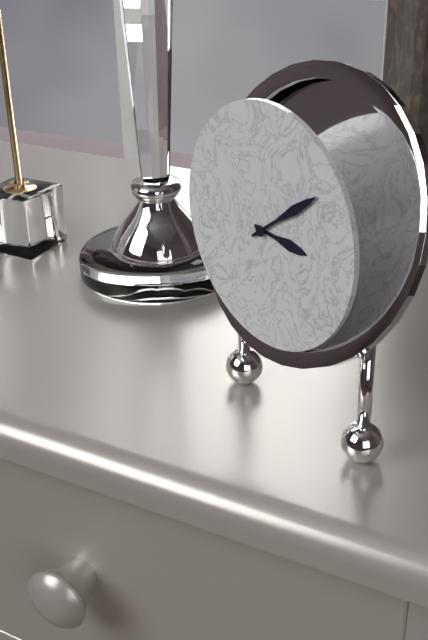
{"hour": 3, "minute": 9}
